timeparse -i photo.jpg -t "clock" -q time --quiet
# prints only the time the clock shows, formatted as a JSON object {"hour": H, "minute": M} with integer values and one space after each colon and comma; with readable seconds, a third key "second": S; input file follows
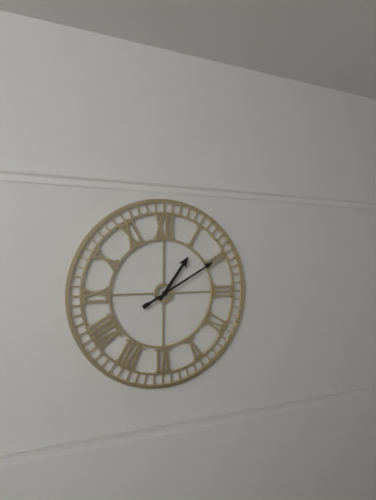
{"hour": 1, "minute": 10}
